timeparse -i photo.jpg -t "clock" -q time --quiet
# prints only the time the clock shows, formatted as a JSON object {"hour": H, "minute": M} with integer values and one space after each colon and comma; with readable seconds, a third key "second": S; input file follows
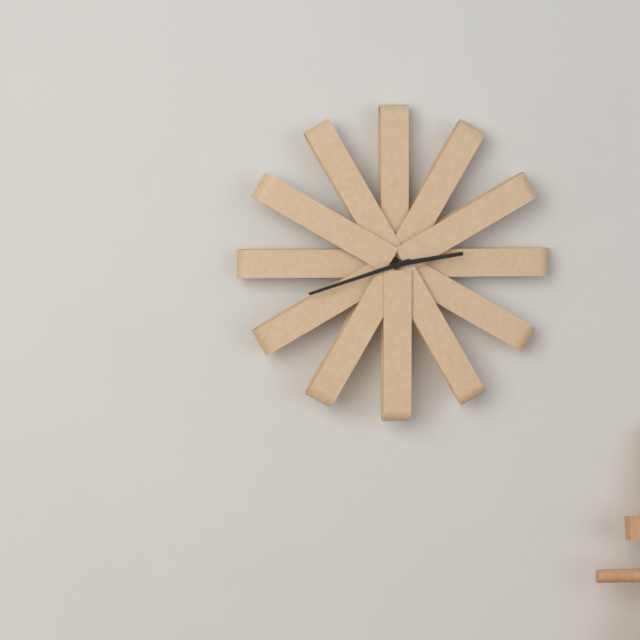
{"hour": 2, "minute": 42}
